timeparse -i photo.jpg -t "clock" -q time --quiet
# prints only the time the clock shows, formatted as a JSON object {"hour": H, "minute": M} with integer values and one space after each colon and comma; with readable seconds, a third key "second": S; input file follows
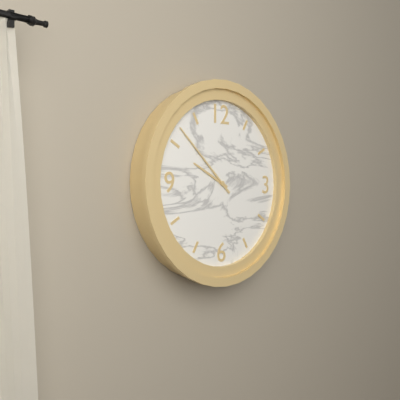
{"hour": 9, "minute": 52}
